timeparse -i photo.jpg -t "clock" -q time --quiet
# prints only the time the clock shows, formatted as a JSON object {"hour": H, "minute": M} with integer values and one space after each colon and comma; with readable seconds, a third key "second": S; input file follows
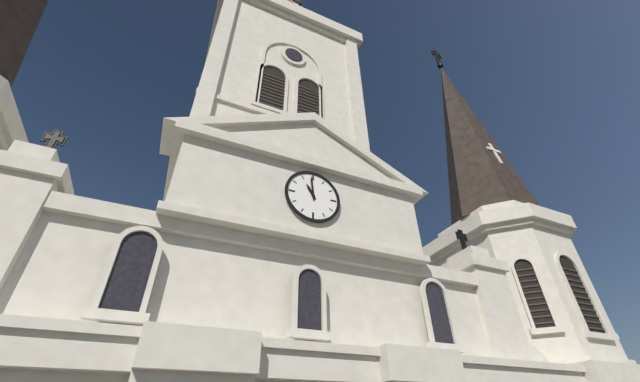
{"hour": 10, "minute": 59}
